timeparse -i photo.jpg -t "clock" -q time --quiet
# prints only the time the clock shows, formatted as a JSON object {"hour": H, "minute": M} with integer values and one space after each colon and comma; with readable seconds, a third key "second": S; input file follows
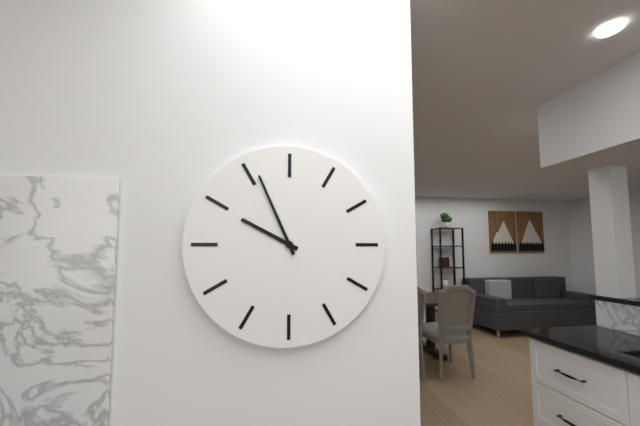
{"hour": 9, "minute": 56}
